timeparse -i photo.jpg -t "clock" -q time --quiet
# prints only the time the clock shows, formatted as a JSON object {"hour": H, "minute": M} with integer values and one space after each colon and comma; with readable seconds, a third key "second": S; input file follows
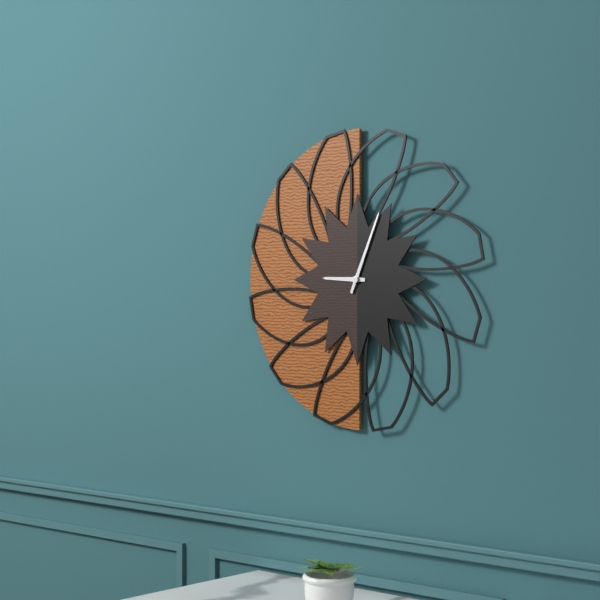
{"hour": 9, "minute": 4}
